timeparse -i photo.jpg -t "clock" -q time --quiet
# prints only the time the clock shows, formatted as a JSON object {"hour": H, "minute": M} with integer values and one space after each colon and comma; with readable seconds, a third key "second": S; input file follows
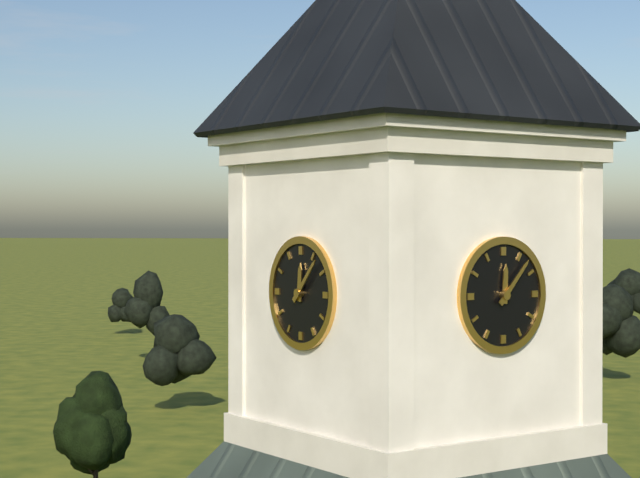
{"hour": 12, "minute": 7}
